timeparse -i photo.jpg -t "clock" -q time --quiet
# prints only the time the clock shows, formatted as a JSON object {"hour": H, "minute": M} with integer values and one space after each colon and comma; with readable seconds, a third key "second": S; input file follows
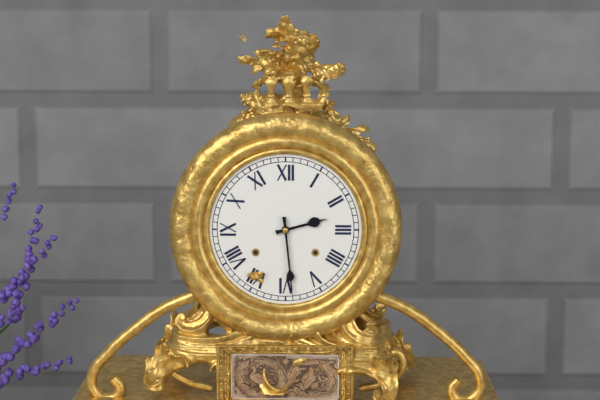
{"hour": 2, "minute": 29}
